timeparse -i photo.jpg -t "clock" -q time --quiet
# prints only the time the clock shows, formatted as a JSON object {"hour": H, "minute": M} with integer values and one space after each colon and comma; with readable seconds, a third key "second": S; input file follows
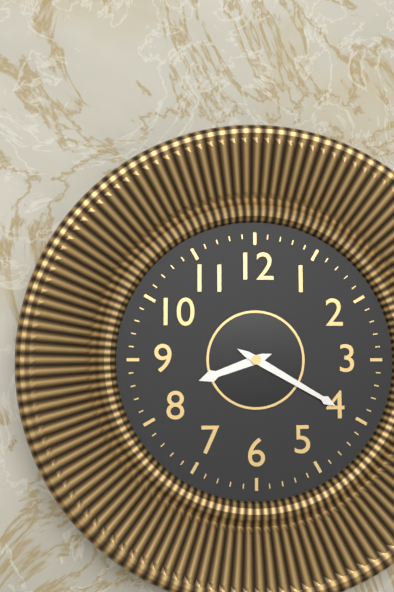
{"hour": 8, "minute": 20}
